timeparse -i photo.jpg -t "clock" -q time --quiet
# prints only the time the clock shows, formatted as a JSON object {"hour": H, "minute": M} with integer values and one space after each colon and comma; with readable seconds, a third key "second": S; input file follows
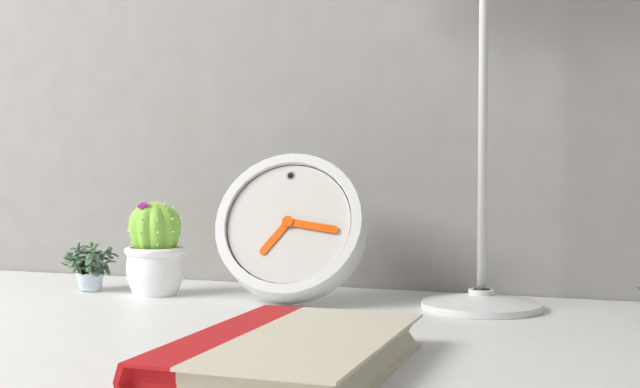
{"hour": 7, "minute": 17}
